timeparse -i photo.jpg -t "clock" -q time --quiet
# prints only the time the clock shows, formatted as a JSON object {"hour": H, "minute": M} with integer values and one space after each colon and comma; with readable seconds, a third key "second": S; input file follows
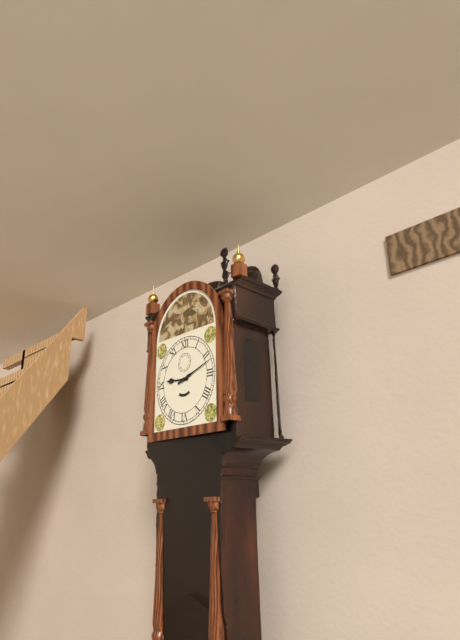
{"hour": 9, "minute": 12}
